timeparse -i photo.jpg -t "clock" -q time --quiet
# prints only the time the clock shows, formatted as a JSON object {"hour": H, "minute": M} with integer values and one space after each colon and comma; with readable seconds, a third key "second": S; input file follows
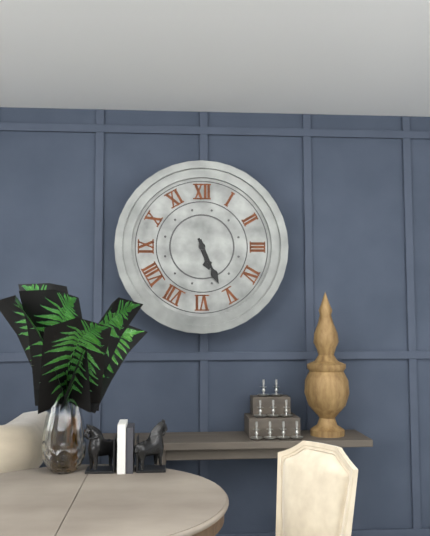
{"hour": 5, "minute": 26}
